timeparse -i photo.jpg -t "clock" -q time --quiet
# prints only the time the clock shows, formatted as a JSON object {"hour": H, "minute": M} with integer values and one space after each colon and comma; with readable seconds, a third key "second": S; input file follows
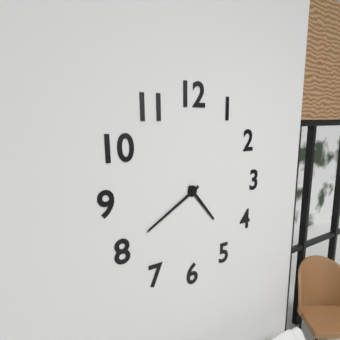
{"hour": 4, "minute": 40}
